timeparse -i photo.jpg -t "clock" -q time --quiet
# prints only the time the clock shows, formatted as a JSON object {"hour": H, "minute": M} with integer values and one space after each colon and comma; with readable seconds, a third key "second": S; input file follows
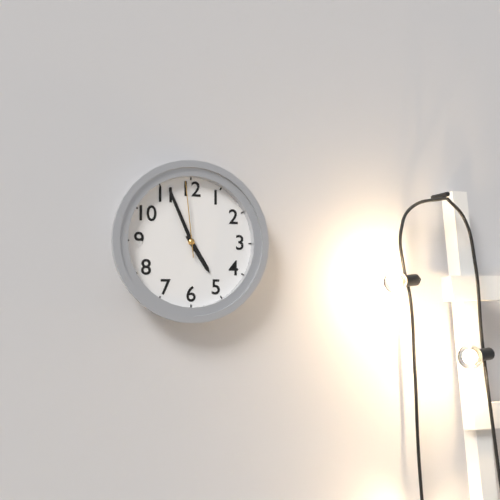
{"hour": 4, "minute": 56, "second": 59}
